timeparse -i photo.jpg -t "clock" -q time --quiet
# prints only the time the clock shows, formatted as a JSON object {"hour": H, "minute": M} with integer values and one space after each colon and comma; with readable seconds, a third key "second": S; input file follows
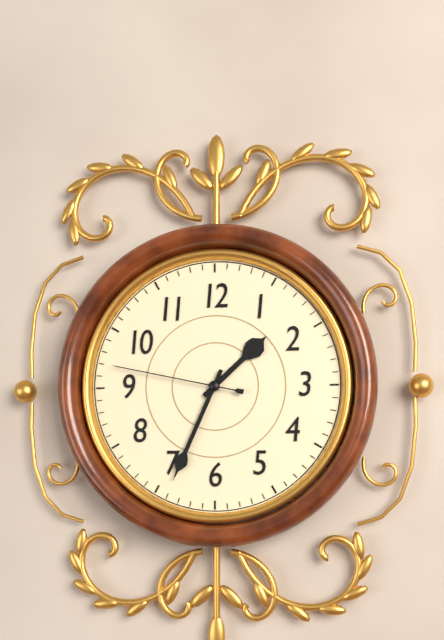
{"hour": 1, "minute": 34, "second": 47}
